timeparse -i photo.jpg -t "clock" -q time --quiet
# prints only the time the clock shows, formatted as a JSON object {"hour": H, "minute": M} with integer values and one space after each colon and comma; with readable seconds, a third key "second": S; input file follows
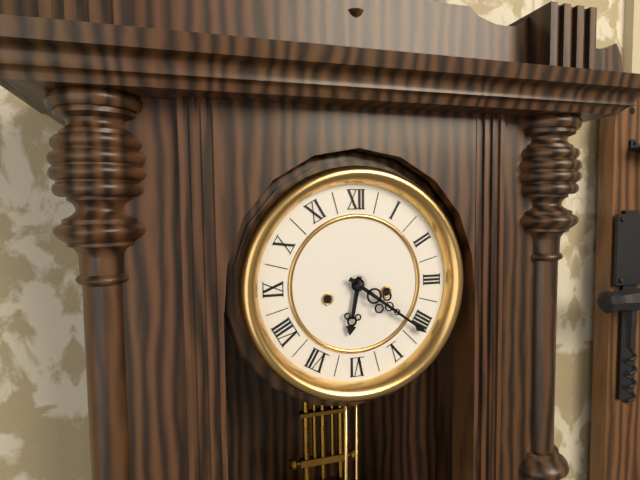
{"hour": 6, "minute": 21}
